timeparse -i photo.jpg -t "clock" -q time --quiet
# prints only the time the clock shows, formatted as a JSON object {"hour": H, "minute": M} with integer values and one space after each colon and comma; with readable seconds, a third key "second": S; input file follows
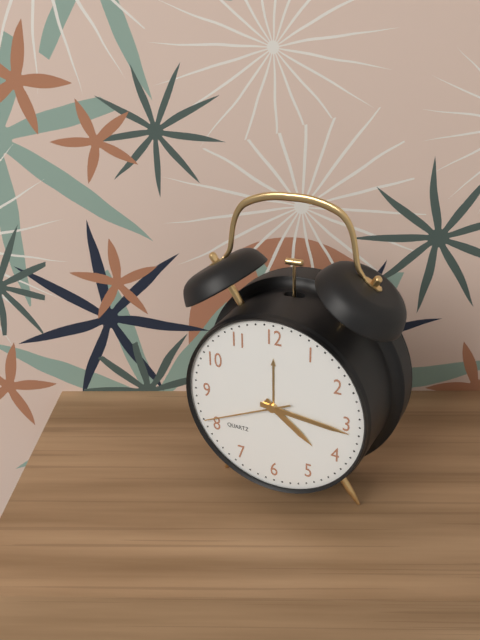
{"hour": 4, "minute": 16, "second": 41}
